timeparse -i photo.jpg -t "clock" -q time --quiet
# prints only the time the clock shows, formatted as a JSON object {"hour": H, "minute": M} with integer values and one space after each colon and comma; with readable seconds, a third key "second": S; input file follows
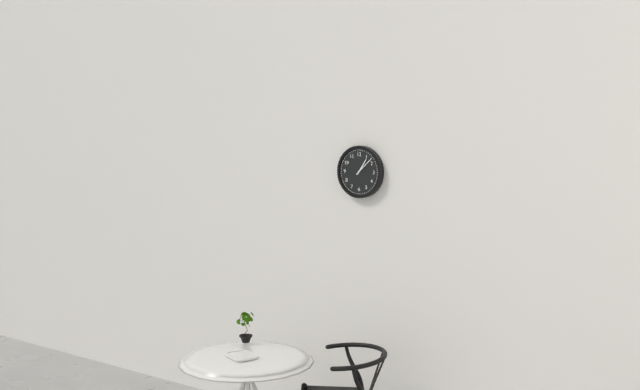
{"hour": 1, "minute": 8}
